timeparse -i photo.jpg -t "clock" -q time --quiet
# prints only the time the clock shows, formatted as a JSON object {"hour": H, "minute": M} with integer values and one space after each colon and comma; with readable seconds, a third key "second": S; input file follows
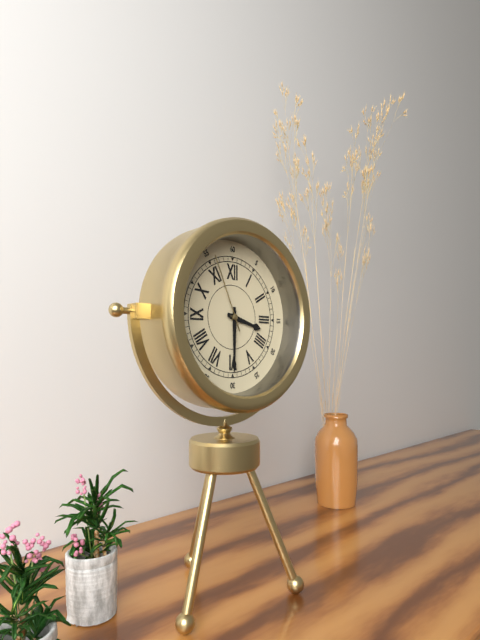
{"hour": 3, "minute": 30, "second": 56}
